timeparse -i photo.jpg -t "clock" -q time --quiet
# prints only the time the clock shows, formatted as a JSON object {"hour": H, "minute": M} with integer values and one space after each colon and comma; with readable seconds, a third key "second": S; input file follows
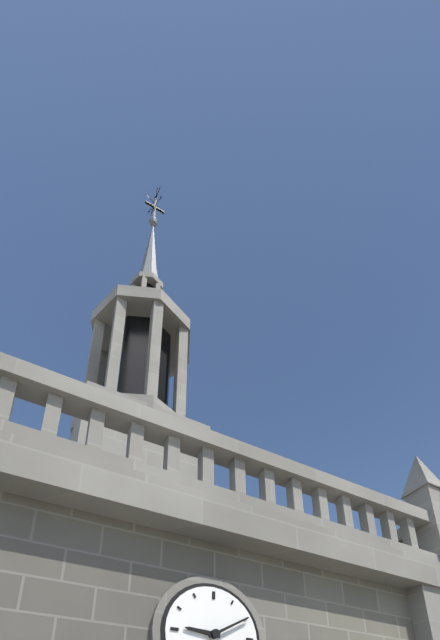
{"hour": 9, "minute": 10}
